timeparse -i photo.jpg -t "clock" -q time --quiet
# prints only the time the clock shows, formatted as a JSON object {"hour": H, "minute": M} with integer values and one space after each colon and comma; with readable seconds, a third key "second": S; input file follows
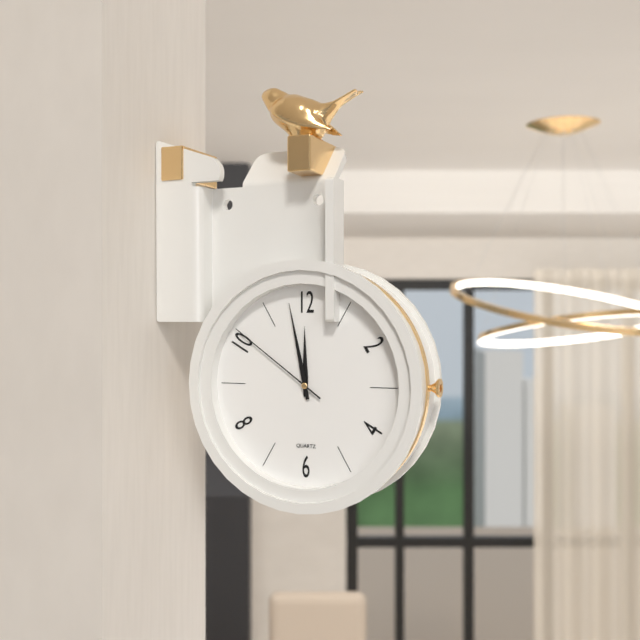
{"hour": 11, "minute": 58, "second": 51}
